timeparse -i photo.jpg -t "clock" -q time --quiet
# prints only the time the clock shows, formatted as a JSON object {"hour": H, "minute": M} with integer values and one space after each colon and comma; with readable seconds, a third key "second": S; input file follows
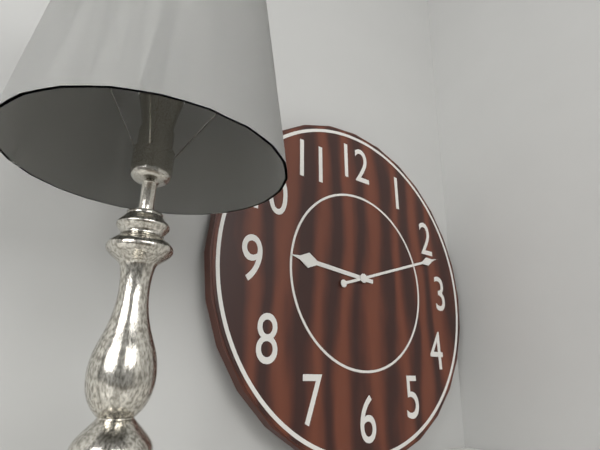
{"hour": 9, "minute": 12}
